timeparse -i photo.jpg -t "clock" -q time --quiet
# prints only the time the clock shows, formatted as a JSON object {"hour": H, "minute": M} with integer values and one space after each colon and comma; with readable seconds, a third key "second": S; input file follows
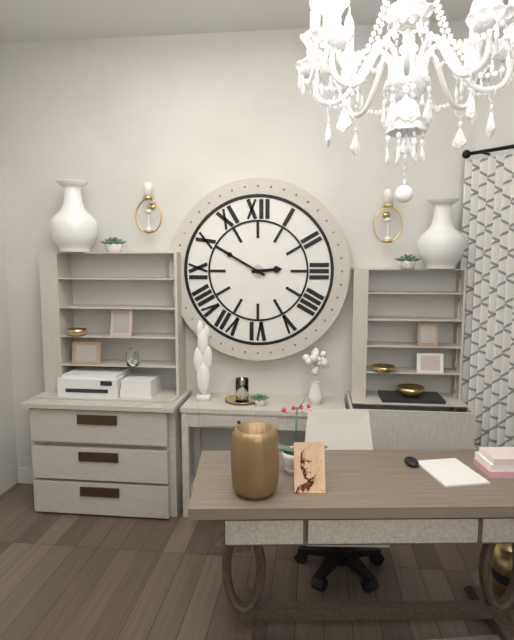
{"hour": 2, "minute": 50}
